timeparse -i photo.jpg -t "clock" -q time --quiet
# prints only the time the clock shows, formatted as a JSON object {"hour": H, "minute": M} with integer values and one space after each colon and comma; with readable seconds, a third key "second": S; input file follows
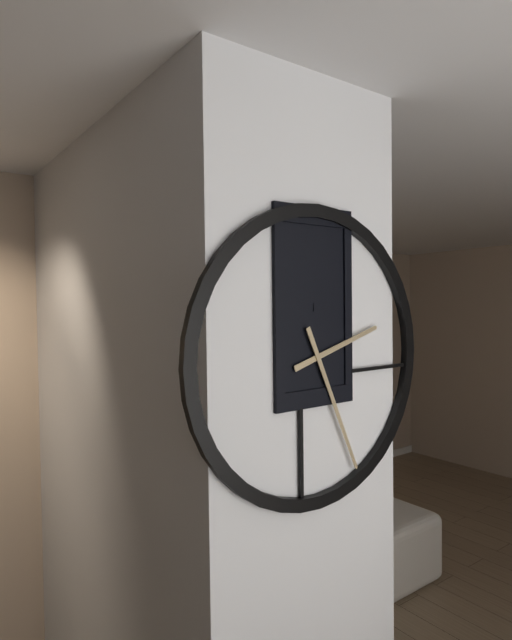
{"hour": 2, "minute": 26}
